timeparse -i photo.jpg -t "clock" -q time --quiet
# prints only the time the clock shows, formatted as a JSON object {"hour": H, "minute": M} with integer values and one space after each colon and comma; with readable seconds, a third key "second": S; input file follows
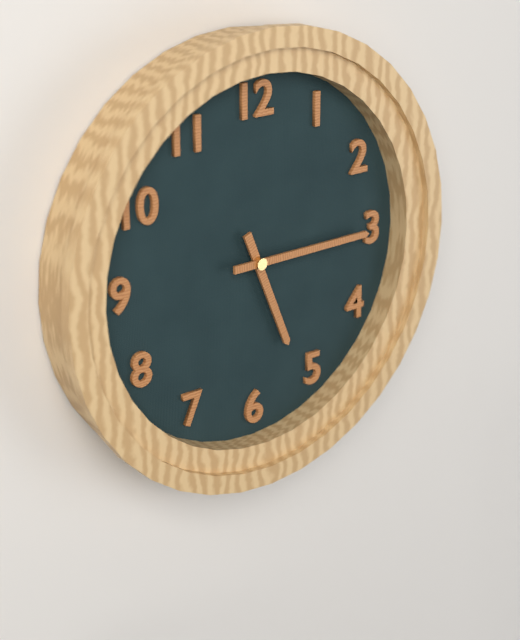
{"hour": 5, "minute": 15}
